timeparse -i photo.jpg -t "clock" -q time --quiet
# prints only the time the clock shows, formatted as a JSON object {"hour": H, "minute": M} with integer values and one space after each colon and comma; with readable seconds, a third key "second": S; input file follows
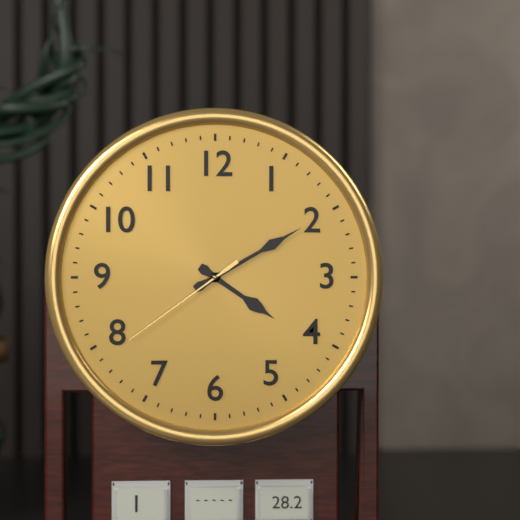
{"hour": 4, "minute": 10, "second": 39}
